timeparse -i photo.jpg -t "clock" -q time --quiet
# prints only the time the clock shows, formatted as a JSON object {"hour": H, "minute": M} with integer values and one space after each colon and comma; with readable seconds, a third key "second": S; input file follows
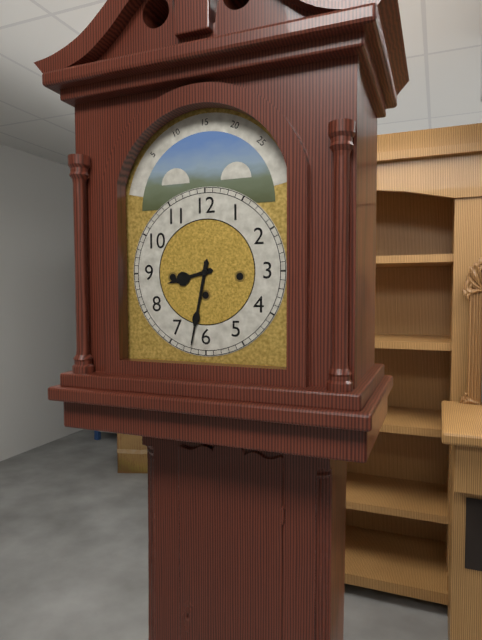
{"hour": 8, "minute": 32}
